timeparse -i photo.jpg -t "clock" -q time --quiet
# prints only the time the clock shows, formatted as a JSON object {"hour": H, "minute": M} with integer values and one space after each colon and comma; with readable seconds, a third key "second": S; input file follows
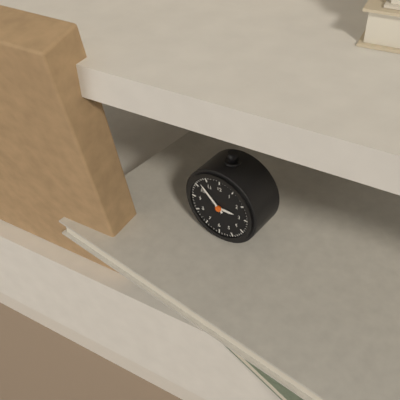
{"hour": 2, "minute": 52}
